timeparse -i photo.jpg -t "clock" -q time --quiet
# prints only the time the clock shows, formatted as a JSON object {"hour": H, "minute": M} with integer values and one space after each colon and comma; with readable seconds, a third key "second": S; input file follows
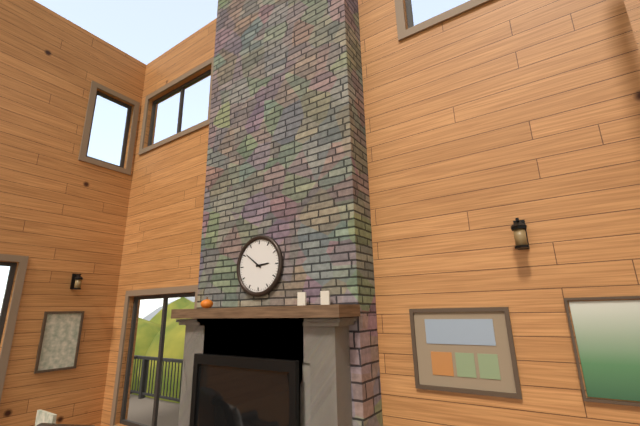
{"hour": 2, "minute": 51}
